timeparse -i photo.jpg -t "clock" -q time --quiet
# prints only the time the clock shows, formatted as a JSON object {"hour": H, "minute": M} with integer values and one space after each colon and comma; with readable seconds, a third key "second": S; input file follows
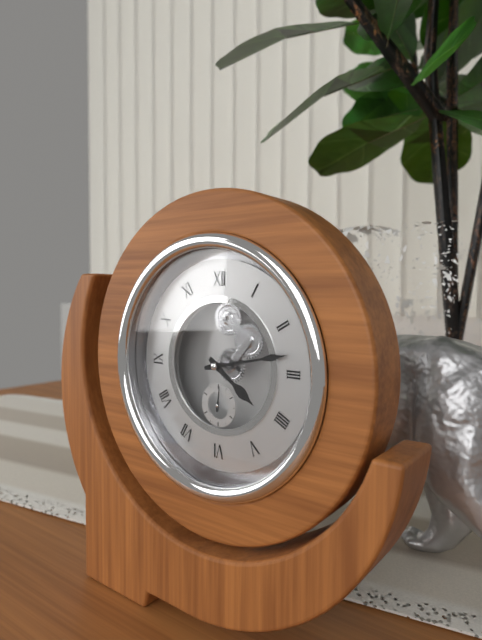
{"hour": 4, "minute": 13}
